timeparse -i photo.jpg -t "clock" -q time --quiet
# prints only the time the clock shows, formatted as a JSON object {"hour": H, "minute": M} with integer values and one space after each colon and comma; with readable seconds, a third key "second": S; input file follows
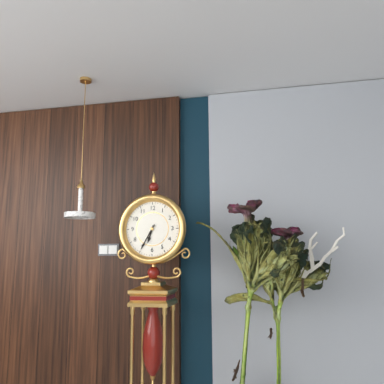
{"hour": 6, "minute": 35}
